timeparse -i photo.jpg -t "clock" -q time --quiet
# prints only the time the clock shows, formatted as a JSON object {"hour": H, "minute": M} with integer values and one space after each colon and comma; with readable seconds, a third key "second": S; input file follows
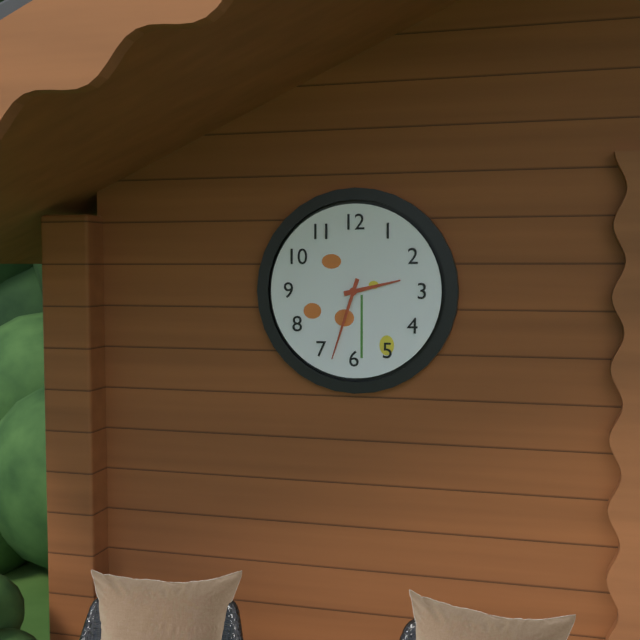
{"hour": 2, "minute": 33}
